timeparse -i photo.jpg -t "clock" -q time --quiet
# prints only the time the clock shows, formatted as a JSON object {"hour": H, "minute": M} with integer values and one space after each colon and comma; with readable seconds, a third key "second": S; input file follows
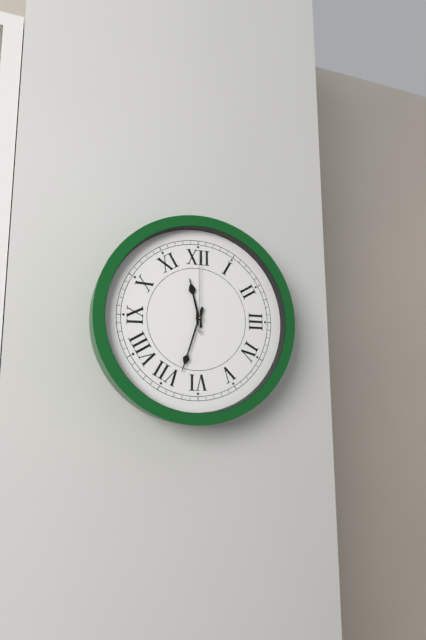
{"hour": 11, "minute": 33, "second": 0}
